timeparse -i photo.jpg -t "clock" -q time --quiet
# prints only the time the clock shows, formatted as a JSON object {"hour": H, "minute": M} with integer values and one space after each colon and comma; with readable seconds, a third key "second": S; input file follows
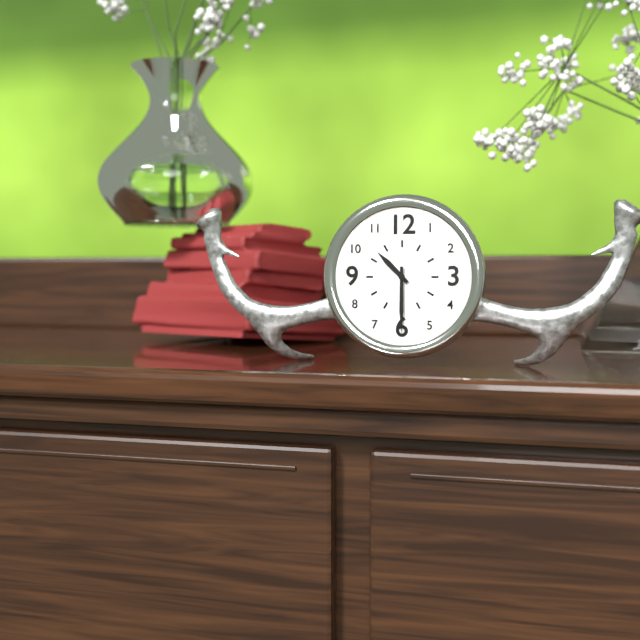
{"hour": 10, "minute": 30}
